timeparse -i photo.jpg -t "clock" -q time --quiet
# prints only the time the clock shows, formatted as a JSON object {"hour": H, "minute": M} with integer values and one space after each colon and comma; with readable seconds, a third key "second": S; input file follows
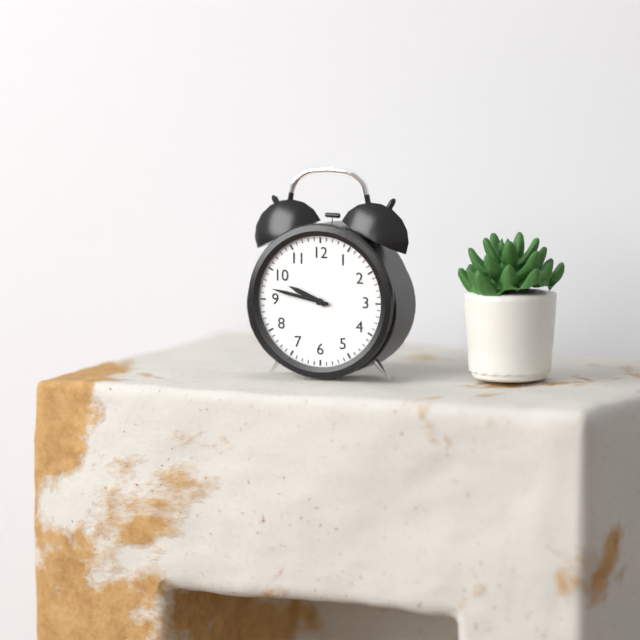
{"hour": 9, "minute": 47}
